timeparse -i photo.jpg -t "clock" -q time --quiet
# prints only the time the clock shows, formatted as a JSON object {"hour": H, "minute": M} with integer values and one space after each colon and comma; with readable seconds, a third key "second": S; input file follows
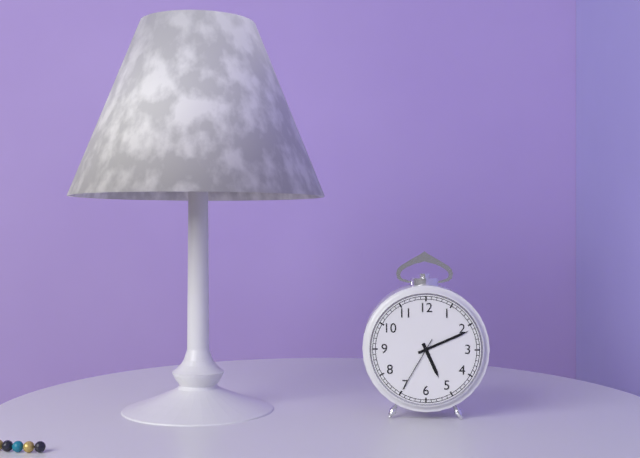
{"hour": 5, "minute": 11, "second": 35}
